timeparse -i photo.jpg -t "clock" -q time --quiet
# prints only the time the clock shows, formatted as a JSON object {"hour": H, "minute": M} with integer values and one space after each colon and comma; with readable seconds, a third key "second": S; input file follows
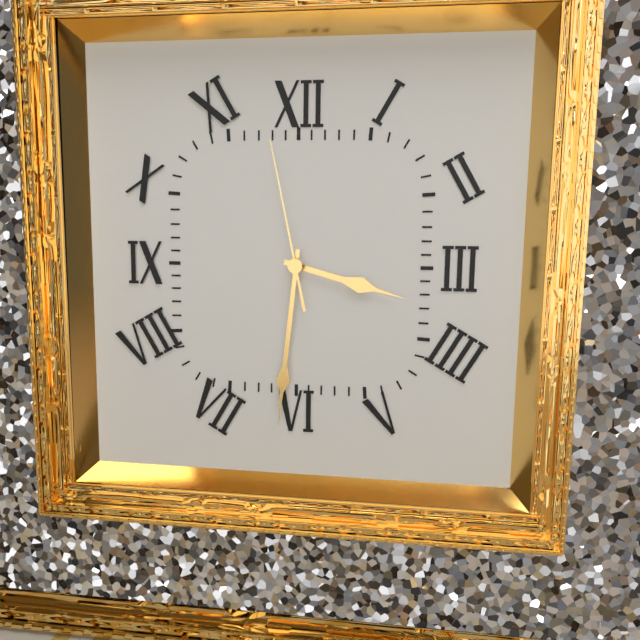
{"hour": 3, "minute": 31, "second": 58}
